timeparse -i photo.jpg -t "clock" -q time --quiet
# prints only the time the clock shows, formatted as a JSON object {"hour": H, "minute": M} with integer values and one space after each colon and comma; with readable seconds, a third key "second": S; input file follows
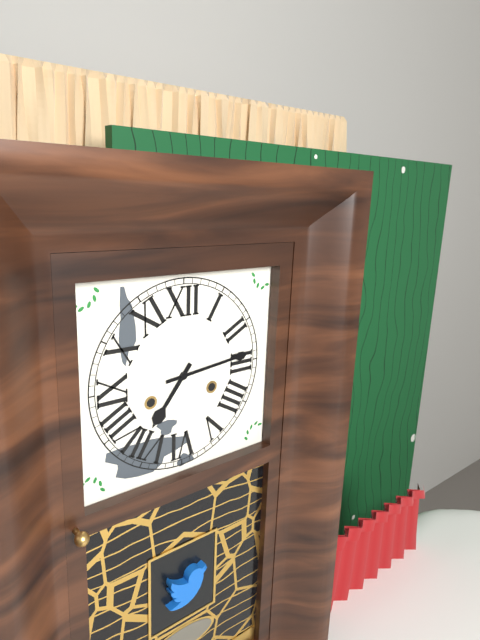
{"hour": 7, "minute": 14}
